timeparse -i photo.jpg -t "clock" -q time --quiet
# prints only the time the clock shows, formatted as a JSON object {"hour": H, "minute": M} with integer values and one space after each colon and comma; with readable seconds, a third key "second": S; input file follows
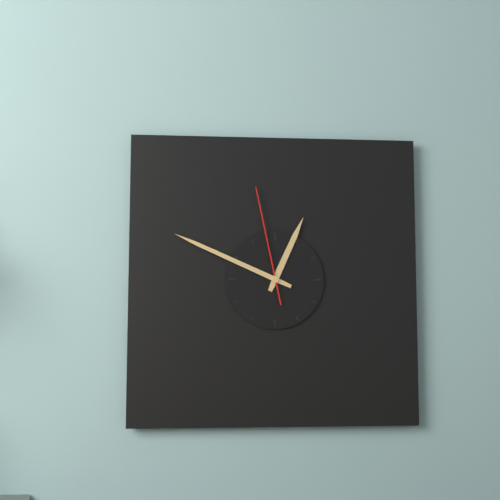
{"hour": 12, "minute": 49, "second": 58}
